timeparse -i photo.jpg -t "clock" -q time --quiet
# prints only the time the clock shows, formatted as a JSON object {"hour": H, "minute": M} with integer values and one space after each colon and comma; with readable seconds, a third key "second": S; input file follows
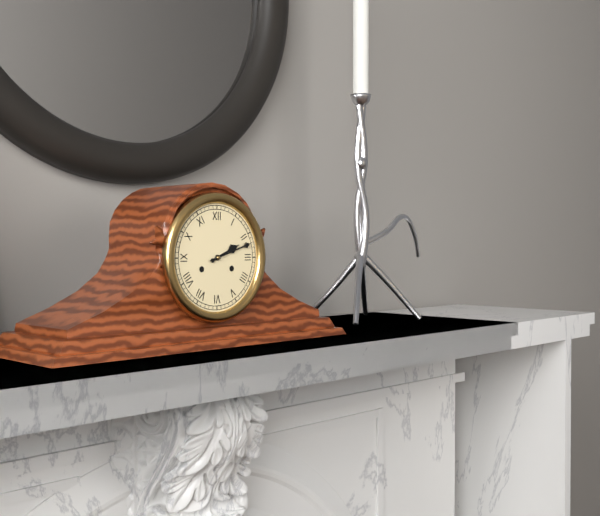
{"hour": 2, "minute": 12}
